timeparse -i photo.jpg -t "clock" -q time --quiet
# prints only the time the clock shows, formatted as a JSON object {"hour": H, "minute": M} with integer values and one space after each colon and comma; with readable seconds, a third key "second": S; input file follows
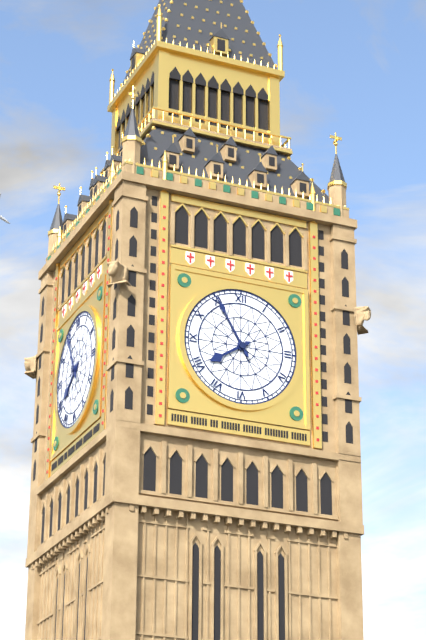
{"hour": 7, "minute": 55}
